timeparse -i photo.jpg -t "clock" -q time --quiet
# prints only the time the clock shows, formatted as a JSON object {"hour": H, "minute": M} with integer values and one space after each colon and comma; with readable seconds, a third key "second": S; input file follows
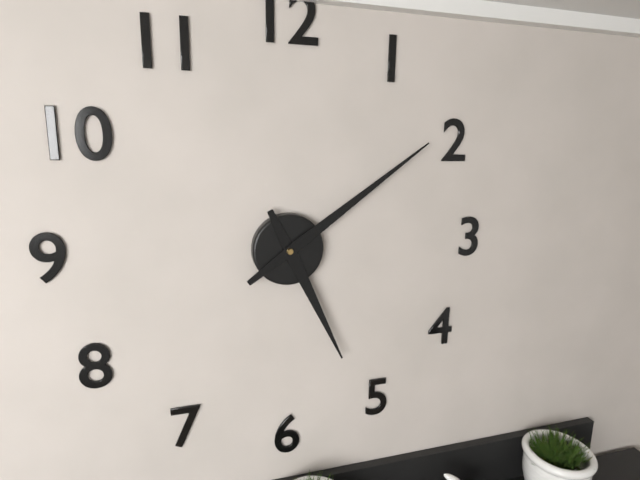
{"hour": 5, "minute": 9}
